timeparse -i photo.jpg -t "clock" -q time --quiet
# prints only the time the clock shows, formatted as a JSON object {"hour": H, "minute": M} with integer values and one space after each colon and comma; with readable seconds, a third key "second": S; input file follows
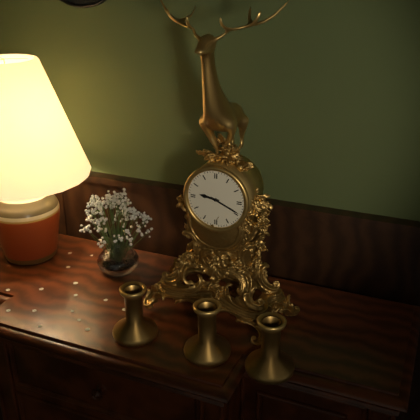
{"hour": 9, "minute": 19}
